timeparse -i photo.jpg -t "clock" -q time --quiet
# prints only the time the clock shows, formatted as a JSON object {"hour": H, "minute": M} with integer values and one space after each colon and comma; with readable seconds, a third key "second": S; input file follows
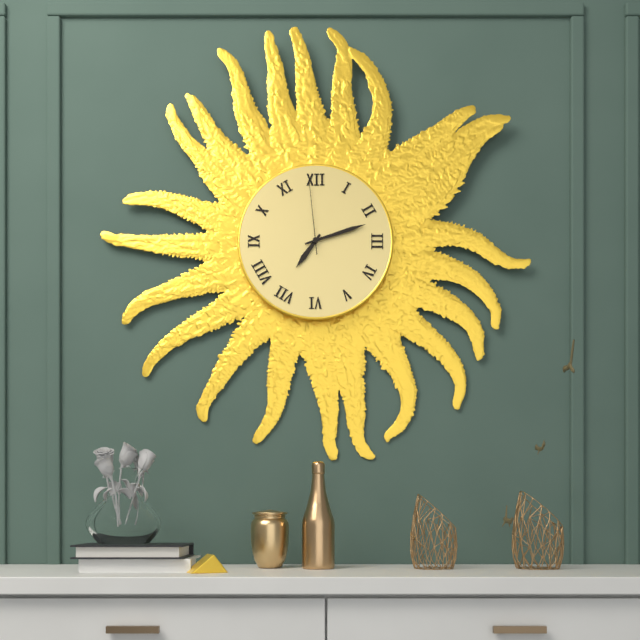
{"hour": 7, "minute": 12, "second": 59}
